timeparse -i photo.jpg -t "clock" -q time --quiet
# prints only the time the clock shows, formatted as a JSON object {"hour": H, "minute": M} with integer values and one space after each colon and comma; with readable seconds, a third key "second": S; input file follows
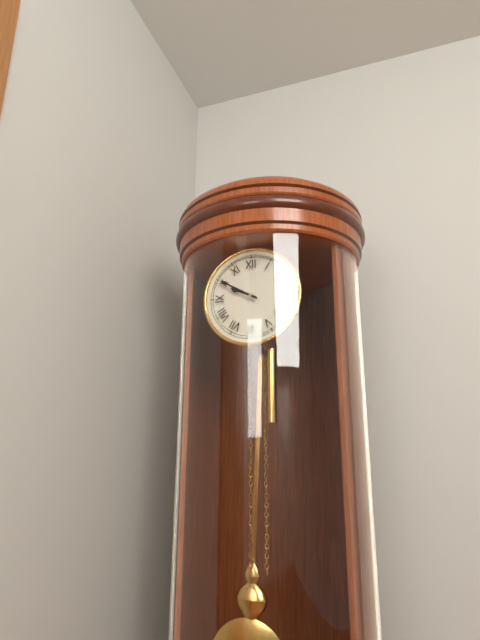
{"hour": 9, "minute": 50}
